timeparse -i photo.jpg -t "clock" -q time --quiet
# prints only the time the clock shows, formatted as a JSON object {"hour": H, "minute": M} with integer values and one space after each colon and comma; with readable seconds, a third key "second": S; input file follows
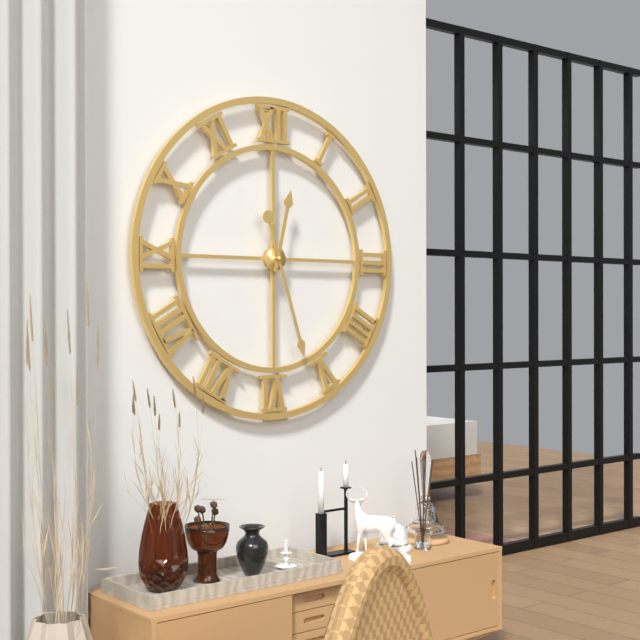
{"hour": 12, "minute": 27}
